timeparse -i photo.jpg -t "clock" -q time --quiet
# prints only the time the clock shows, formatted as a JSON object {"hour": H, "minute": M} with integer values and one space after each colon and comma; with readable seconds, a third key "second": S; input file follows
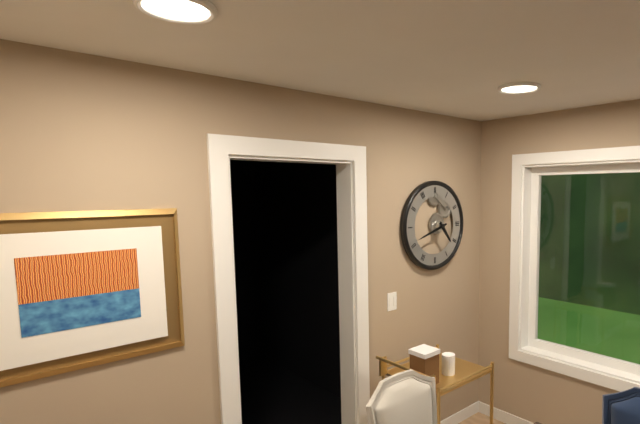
{"hour": 4, "minute": 42}
